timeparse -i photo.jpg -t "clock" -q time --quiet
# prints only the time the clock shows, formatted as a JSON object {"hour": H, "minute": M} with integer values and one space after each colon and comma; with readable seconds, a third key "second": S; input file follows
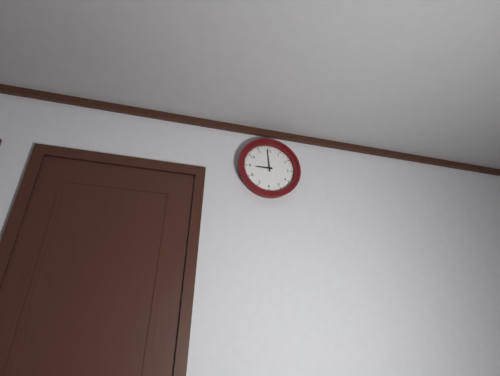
{"hour": 8, "minute": 59}
